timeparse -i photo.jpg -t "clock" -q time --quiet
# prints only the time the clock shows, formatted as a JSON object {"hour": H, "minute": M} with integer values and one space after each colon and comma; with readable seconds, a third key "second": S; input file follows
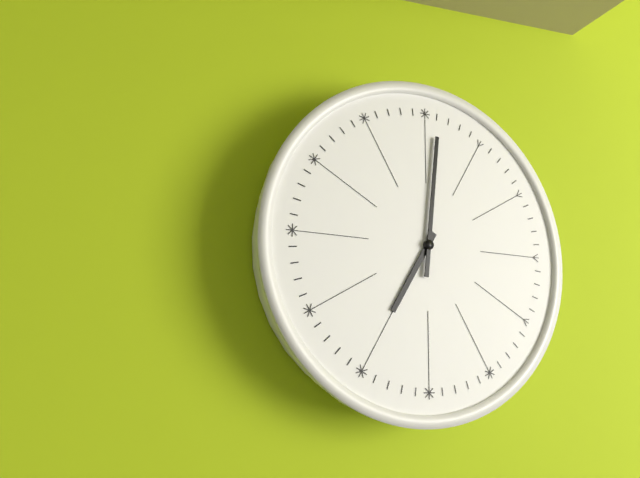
{"hour": 7, "minute": 1}
